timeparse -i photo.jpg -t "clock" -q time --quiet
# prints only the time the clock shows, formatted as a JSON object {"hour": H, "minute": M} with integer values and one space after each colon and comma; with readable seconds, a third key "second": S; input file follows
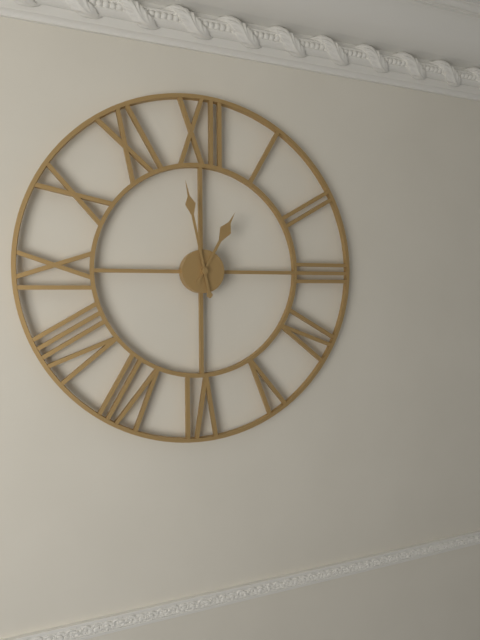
{"hour": 12, "minute": 58}
